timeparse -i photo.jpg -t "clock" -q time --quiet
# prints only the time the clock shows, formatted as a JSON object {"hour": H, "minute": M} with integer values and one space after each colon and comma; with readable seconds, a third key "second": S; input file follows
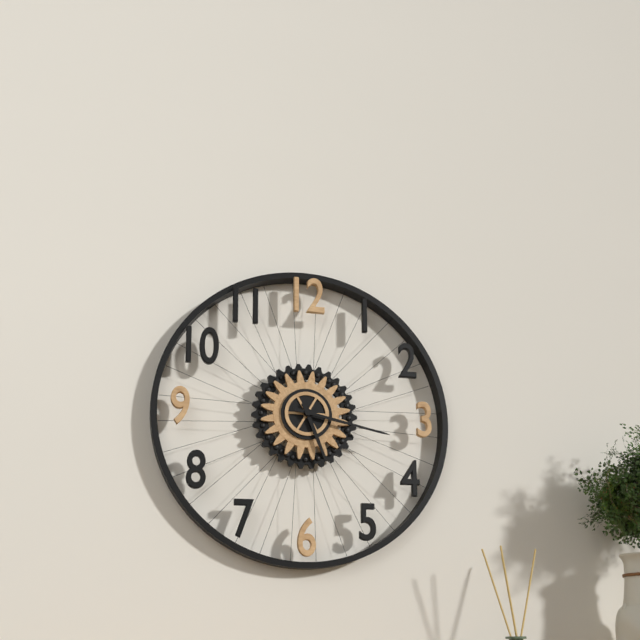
{"hour": 5, "minute": 17}
